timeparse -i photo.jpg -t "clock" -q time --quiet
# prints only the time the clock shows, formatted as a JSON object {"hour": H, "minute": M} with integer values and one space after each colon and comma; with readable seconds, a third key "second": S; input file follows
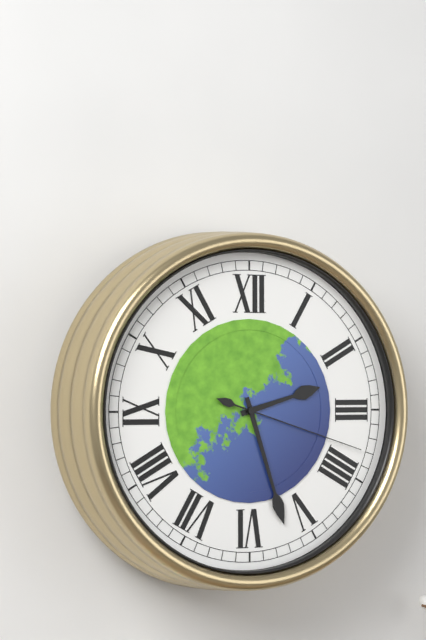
{"hour": 2, "minute": 27, "second": 18}
